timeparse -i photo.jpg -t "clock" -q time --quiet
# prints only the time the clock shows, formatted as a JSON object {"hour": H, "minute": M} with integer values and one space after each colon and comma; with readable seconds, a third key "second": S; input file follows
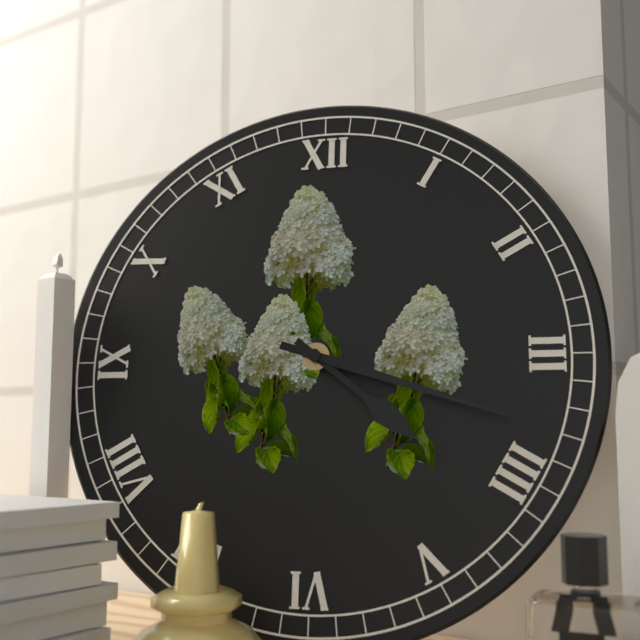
{"hour": 4, "minute": 18}
